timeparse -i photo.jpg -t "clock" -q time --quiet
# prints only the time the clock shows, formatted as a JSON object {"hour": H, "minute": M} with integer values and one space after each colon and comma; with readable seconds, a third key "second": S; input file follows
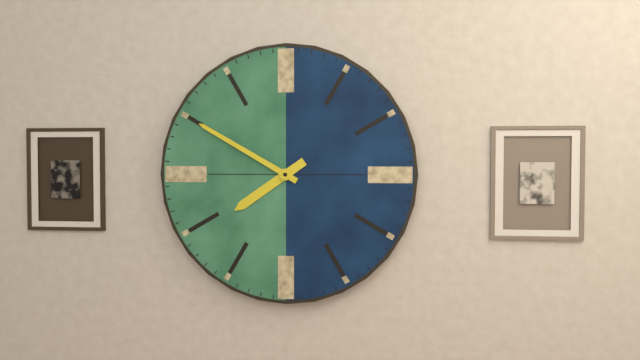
{"hour": 7, "minute": 50}
